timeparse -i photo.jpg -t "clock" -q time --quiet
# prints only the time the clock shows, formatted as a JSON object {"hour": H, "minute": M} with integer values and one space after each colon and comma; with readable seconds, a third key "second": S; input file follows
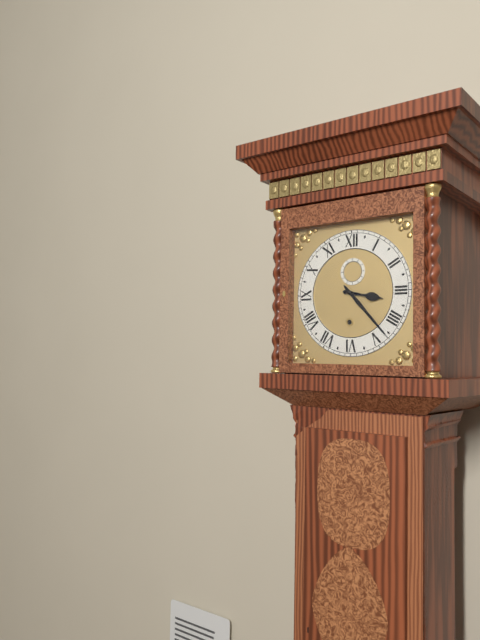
{"hour": 3, "minute": 23}
